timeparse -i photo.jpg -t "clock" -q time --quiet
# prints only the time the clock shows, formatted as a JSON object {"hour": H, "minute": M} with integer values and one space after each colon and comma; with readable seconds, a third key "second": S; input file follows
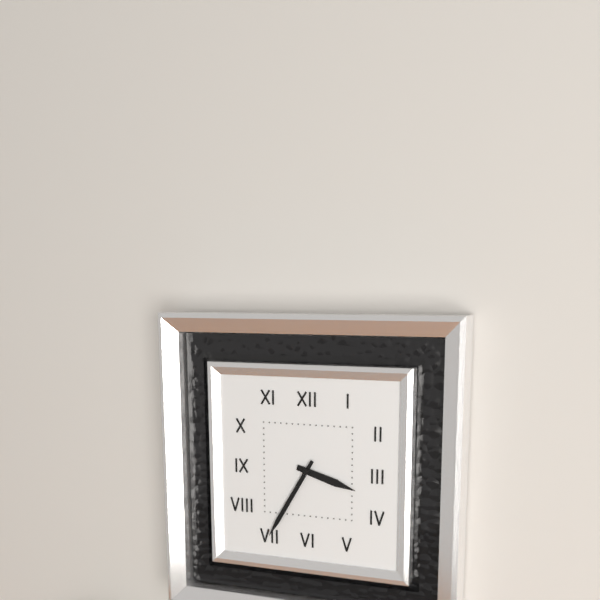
{"hour": 3, "minute": 35}
